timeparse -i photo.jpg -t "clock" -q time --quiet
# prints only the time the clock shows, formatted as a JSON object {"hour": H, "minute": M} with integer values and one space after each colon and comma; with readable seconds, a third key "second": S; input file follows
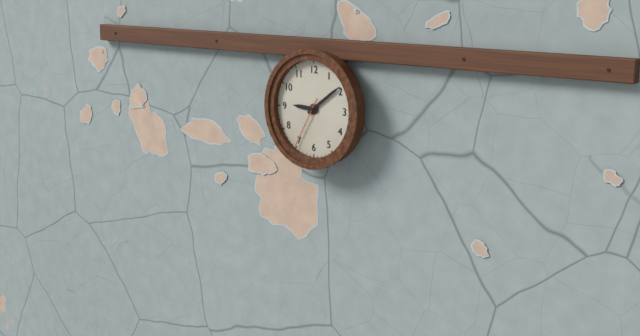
{"hour": 9, "minute": 9, "second": 35}
